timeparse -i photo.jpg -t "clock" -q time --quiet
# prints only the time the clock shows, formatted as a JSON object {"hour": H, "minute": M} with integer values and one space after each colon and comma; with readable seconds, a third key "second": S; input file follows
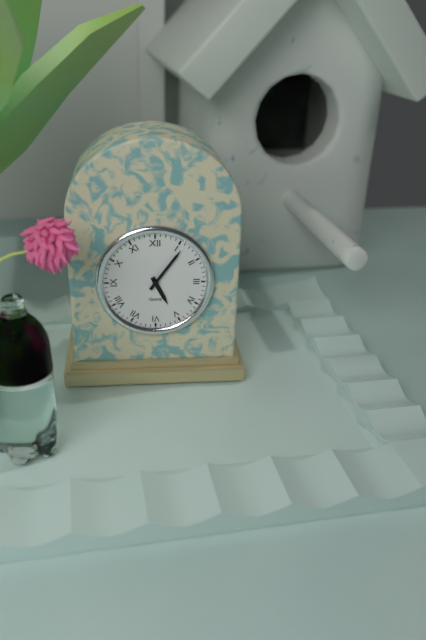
{"hour": 5, "minute": 6}
